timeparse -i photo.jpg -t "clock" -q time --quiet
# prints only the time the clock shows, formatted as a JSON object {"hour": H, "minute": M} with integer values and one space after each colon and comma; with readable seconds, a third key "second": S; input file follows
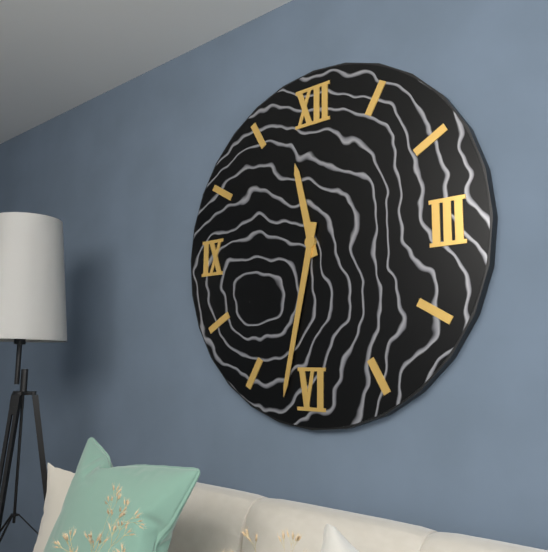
{"hour": 11, "minute": 32}
